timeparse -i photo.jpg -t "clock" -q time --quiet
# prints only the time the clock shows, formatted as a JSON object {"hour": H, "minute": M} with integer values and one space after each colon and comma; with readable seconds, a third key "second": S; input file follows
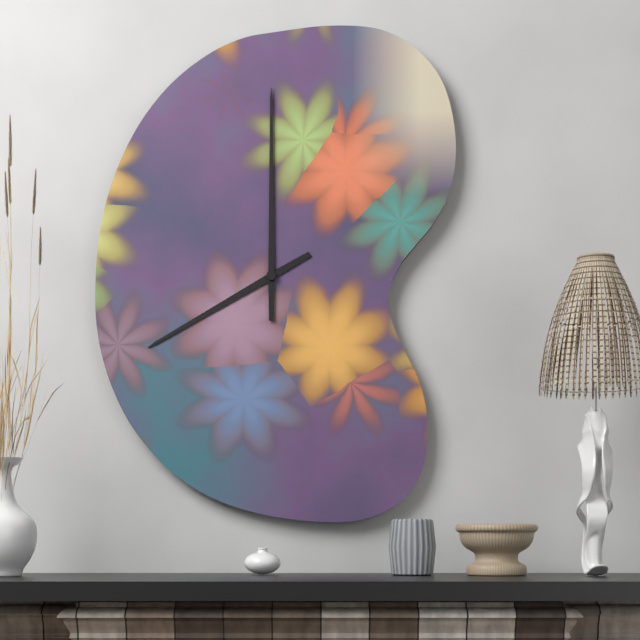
{"hour": 8, "minute": 0}
